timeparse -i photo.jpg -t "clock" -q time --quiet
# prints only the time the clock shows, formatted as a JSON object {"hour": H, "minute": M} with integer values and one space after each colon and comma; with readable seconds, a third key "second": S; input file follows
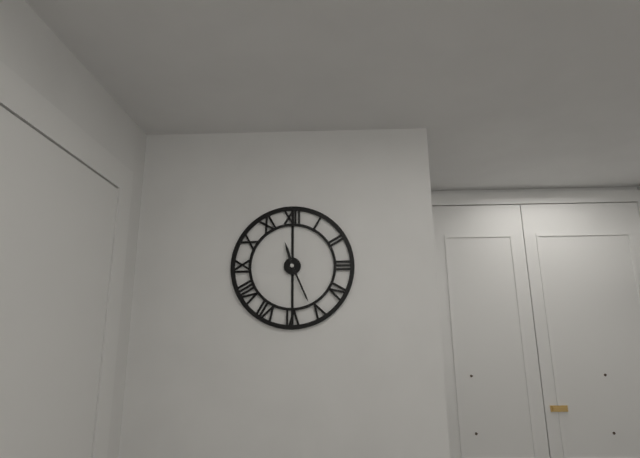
{"hour": 11, "minute": 26}
